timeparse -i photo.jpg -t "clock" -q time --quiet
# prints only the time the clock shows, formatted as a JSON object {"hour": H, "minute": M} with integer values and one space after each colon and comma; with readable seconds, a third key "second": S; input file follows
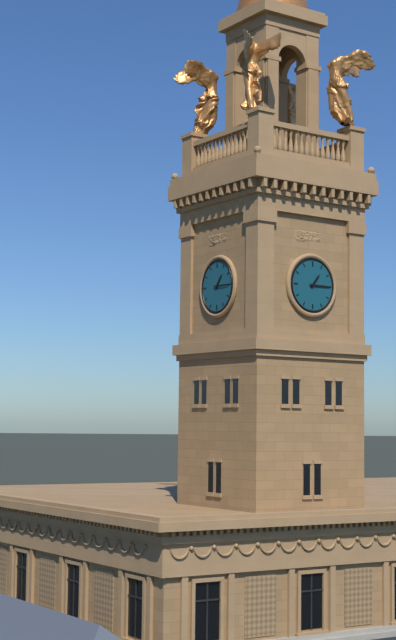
{"hour": 1, "minute": 15}
